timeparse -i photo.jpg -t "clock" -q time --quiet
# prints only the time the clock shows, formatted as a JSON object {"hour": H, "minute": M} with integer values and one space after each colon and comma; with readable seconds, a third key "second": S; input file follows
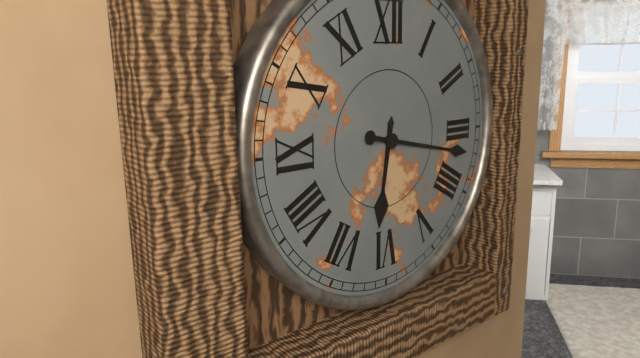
{"hour": 6, "minute": 17}
